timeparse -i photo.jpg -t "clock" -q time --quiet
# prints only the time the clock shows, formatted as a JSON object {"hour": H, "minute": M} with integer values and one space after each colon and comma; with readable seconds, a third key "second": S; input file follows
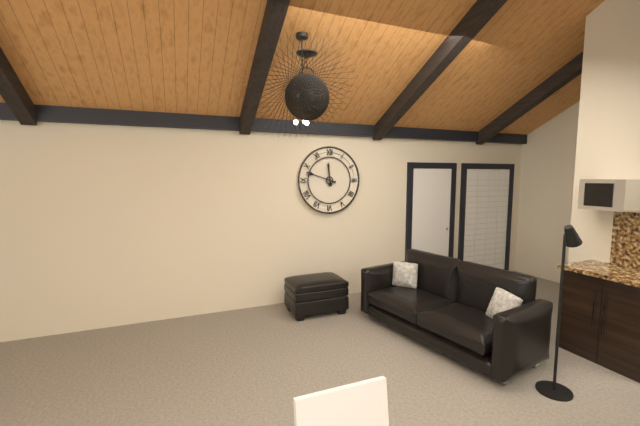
{"hour": 11, "minute": 48}
